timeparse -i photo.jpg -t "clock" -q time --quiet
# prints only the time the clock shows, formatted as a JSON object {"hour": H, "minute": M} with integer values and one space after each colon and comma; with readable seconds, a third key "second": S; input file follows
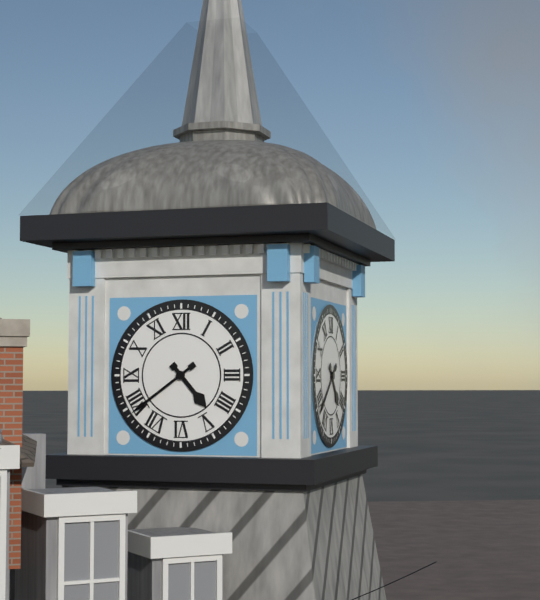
{"hour": 4, "minute": 39}
